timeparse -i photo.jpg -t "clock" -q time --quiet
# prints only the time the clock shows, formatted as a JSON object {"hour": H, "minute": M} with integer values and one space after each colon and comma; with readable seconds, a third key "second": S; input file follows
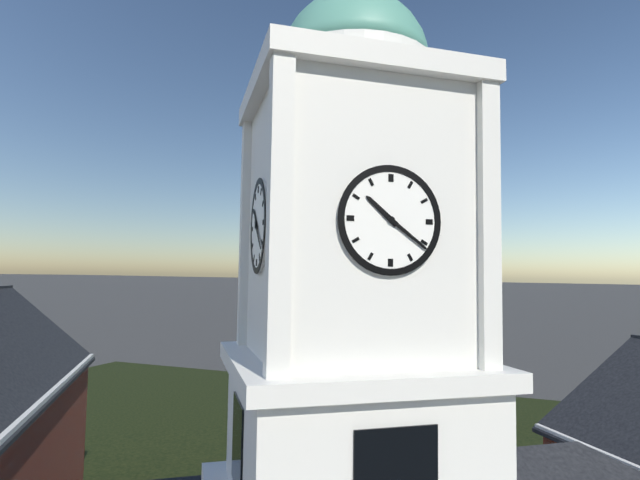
{"hour": 10, "minute": 21}
